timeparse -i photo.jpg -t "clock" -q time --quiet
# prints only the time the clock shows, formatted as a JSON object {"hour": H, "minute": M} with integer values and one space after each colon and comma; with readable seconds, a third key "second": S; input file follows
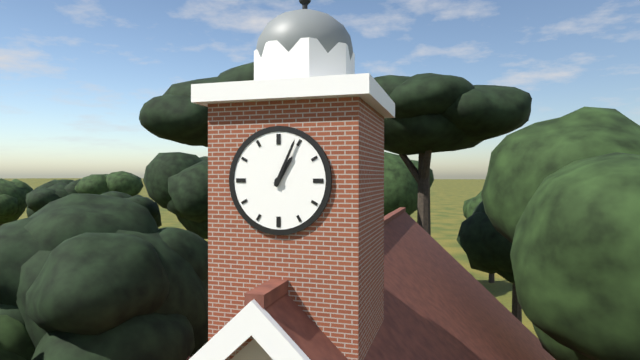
{"hour": 1, "minute": 4}
